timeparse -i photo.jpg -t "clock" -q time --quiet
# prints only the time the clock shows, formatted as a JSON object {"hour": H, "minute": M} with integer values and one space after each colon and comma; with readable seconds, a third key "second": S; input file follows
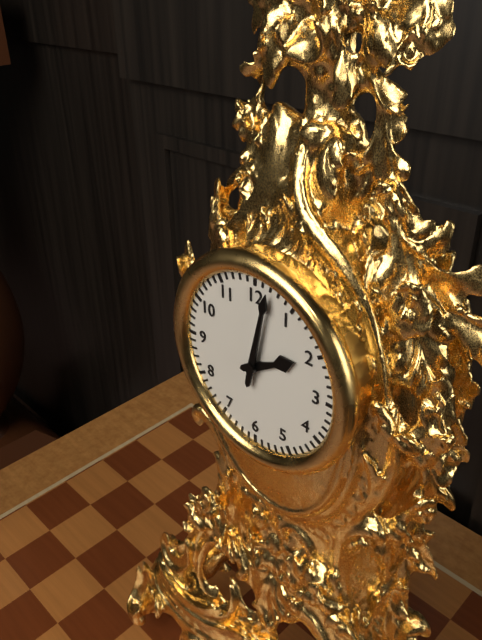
{"hour": 2, "minute": 2}
